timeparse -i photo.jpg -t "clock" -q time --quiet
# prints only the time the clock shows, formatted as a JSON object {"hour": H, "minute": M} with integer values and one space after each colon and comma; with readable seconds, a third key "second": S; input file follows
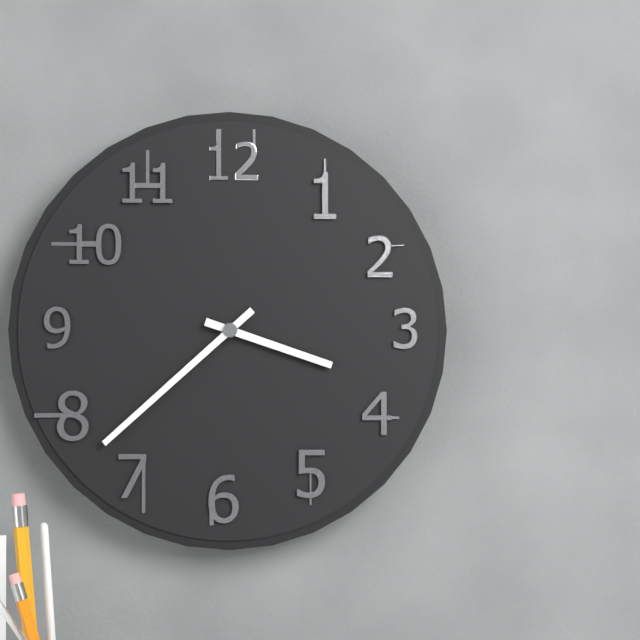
{"hour": 3, "minute": 38}
